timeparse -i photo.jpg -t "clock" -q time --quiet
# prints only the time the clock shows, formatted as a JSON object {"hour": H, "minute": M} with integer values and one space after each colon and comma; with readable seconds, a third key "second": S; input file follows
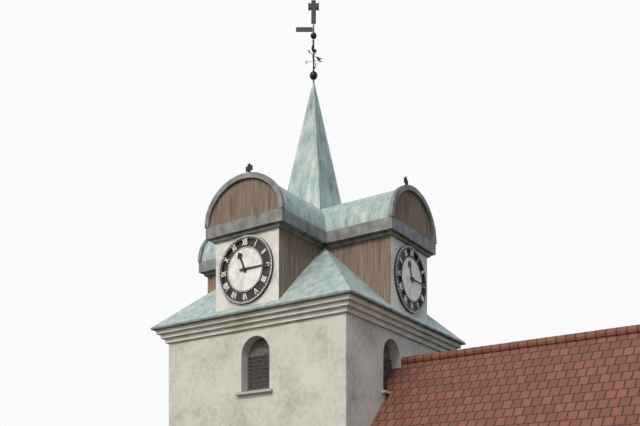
{"hour": 11, "minute": 15}
